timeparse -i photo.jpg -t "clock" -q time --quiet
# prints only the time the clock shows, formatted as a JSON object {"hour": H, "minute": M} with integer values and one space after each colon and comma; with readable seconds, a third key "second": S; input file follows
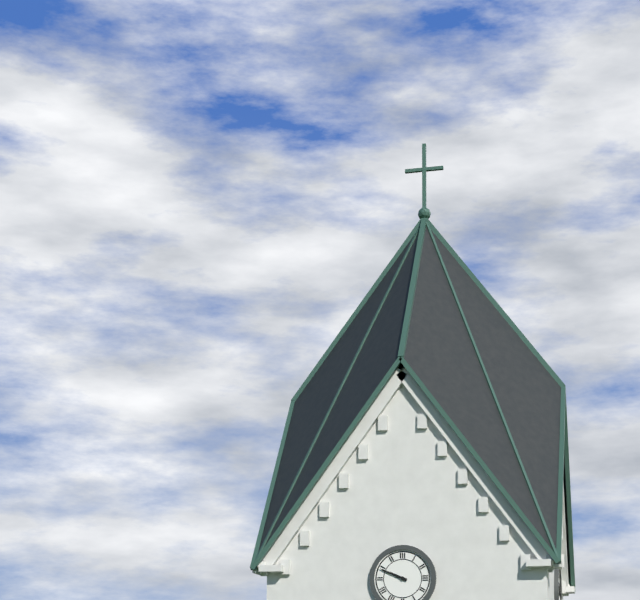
{"hour": 9, "minute": 49}
